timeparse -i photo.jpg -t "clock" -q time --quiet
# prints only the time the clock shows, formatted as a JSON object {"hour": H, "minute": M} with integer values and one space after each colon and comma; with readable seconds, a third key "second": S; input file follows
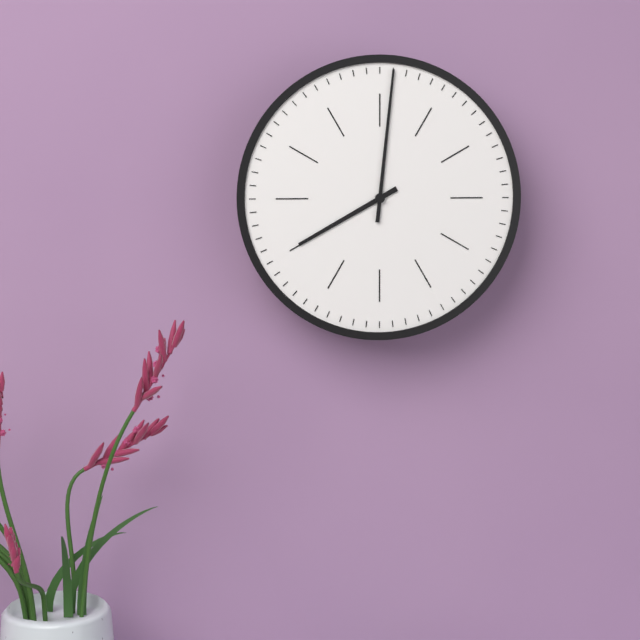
{"hour": 8, "minute": 1}
